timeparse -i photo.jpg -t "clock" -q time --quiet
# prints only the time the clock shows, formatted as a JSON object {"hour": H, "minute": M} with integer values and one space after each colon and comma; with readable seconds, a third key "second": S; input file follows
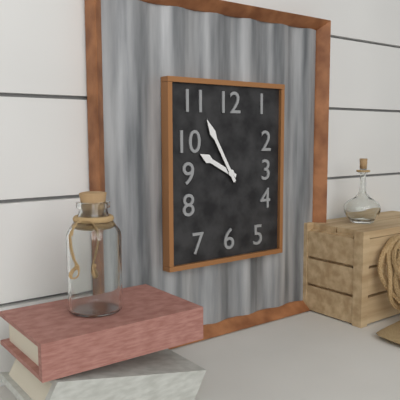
{"hour": 9, "minute": 55}
